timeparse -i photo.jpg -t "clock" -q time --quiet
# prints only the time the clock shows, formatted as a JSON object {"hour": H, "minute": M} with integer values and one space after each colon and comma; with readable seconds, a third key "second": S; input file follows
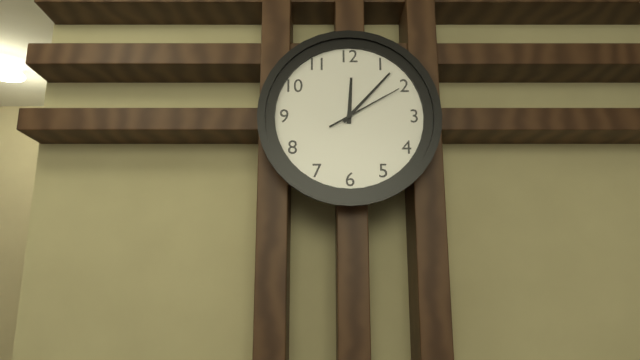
{"hour": 12, "minute": 7, "second": 10}
